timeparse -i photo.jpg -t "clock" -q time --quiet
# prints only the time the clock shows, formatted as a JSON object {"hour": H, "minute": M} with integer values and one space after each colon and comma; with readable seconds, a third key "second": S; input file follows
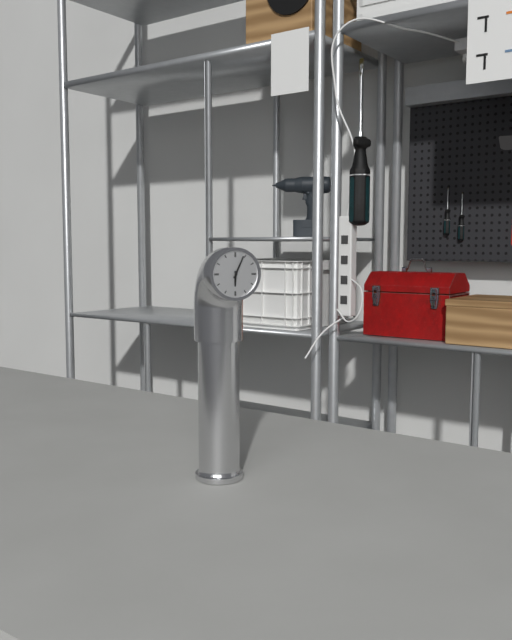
{"hour": 6, "minute": 4}
